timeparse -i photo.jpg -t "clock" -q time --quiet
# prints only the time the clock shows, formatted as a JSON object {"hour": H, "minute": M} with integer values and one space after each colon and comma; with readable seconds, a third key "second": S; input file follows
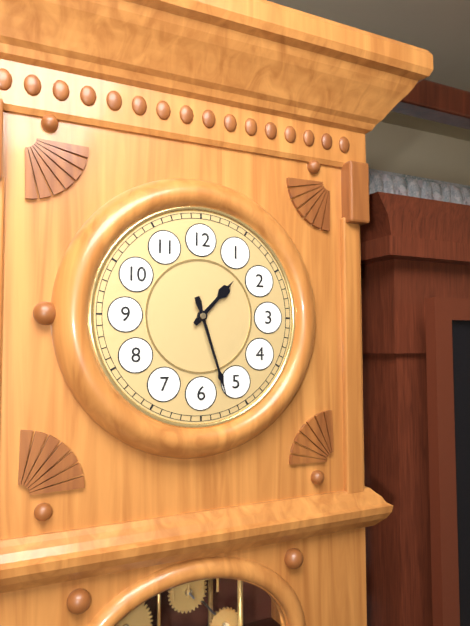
{"hour": 1, "minute": 27}
